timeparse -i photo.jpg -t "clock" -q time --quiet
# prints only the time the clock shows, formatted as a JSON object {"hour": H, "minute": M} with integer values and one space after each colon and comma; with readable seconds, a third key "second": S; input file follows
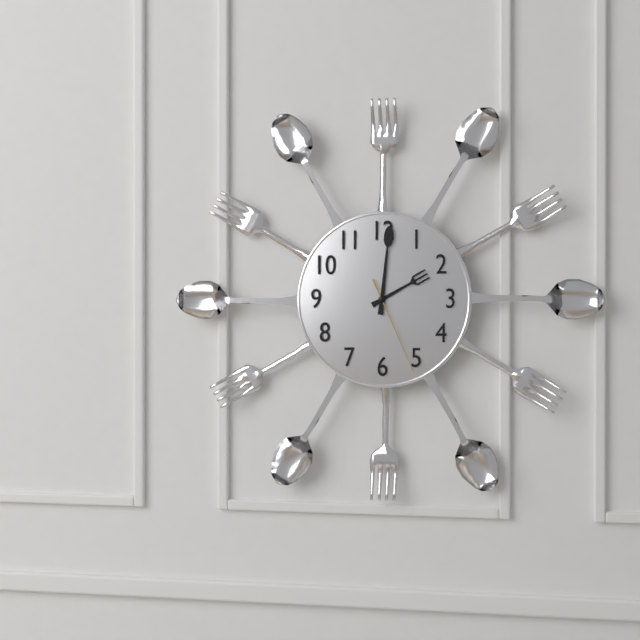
{"hour": 2, "minute": 1, "second": 26}
